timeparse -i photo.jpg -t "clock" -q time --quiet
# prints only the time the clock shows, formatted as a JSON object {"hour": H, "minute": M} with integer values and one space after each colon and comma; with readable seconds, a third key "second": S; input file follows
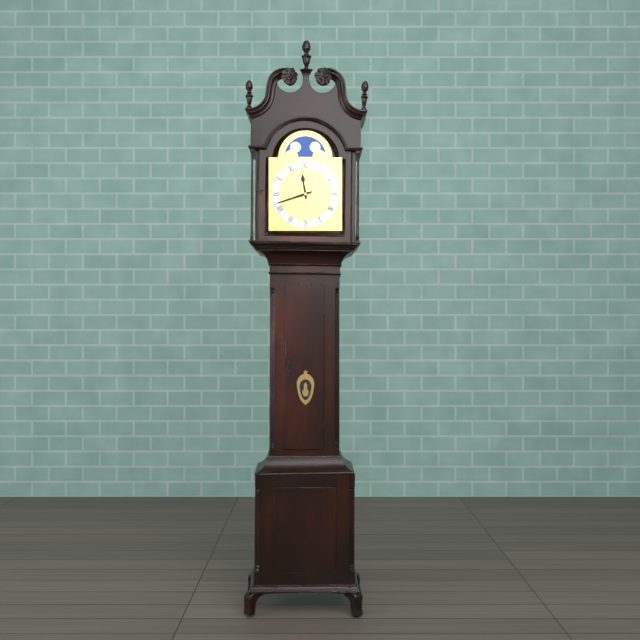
{"hour": 11, "minute": 42}
